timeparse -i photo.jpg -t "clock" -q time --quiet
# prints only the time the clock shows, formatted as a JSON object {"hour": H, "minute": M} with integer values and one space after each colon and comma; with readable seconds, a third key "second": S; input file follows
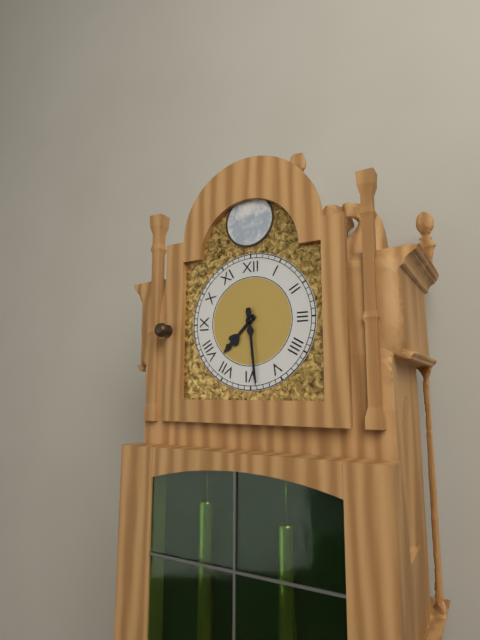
{"hour": 7, "minute": 29}
